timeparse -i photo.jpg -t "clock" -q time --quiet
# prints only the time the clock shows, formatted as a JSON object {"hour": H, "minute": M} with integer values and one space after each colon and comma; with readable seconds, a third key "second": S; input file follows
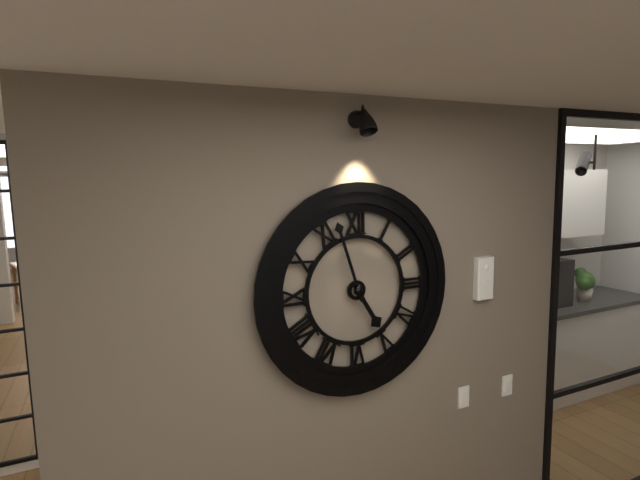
{"hour": 4, "minute": 57}
